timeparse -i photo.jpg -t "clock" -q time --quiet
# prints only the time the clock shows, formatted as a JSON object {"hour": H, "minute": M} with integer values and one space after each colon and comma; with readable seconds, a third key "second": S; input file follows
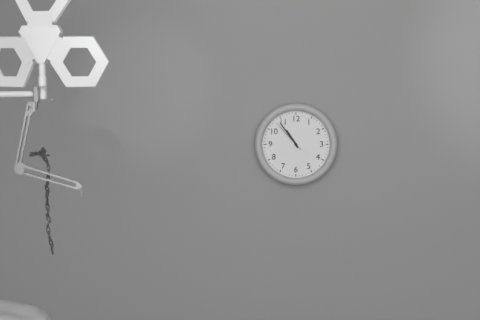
{"hour": 10, "minute": 54}
